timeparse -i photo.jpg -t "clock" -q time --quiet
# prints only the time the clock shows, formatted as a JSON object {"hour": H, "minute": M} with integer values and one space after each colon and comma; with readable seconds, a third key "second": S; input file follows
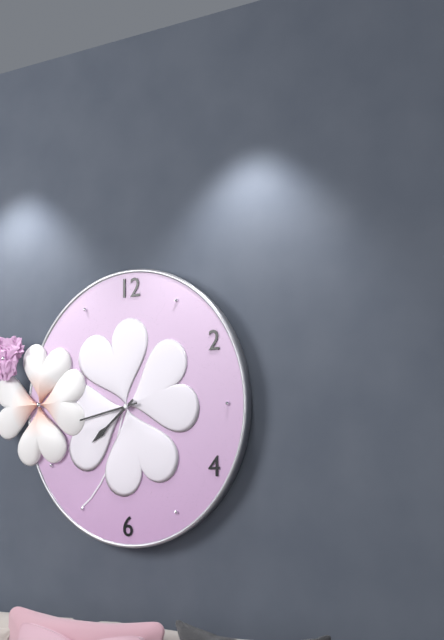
{"hour": 7, "minute": 43}
